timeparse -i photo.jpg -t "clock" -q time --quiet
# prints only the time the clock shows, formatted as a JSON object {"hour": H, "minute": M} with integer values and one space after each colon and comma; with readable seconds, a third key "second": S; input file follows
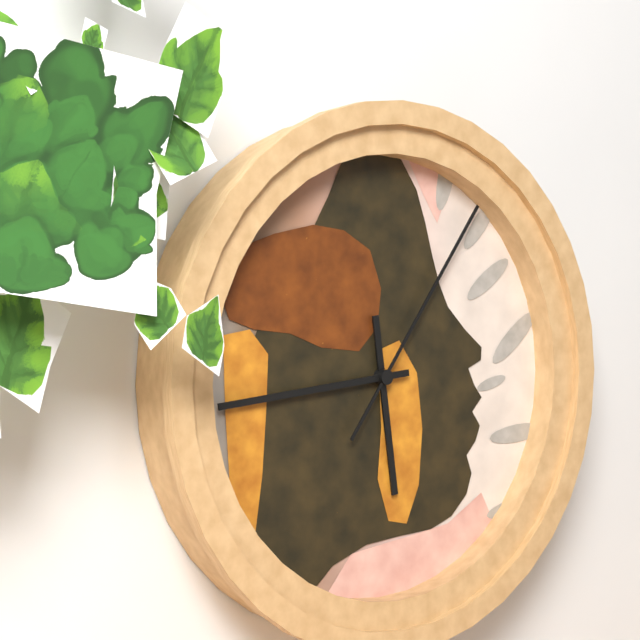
{"hour": 5, "minute": 44, "second": 6}
